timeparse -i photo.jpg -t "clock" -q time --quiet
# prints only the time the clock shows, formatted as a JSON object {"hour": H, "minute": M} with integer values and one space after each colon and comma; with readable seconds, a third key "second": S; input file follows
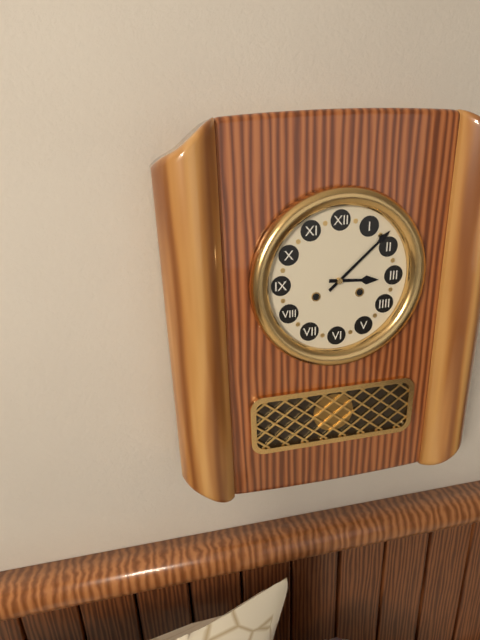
{"hour": 3, "minute": 8}
